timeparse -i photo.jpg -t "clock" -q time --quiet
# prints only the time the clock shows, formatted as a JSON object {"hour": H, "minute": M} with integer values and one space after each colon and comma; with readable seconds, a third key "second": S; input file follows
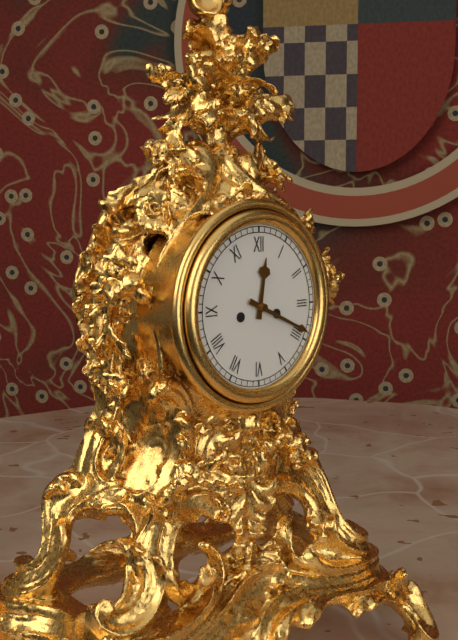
{"hour": 12, "minute": 19}
